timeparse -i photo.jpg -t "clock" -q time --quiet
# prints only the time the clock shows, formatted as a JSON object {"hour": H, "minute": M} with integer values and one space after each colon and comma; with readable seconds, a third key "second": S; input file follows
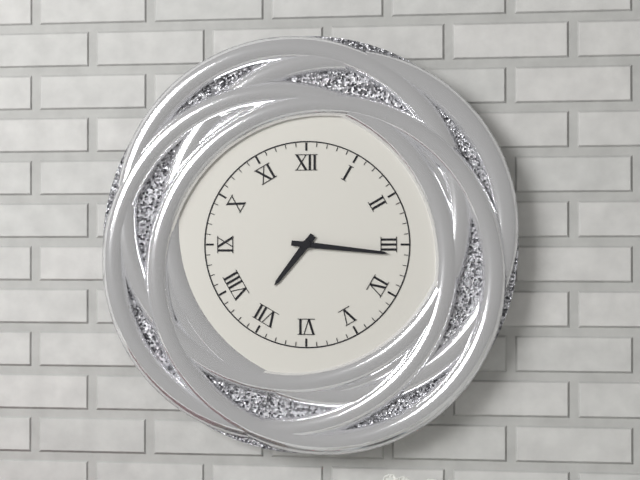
{"hour": 7, "minute": 16}
